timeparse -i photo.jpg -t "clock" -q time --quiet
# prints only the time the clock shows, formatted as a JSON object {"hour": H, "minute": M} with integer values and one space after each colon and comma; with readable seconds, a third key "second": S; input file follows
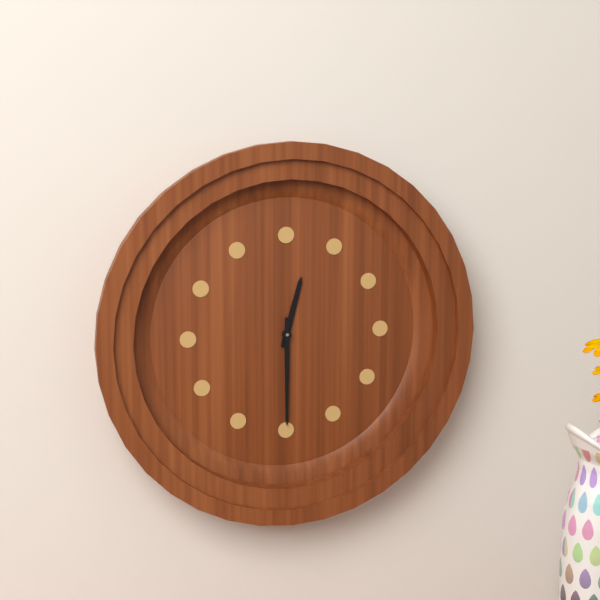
{"hour": 12, "minute": 30}
